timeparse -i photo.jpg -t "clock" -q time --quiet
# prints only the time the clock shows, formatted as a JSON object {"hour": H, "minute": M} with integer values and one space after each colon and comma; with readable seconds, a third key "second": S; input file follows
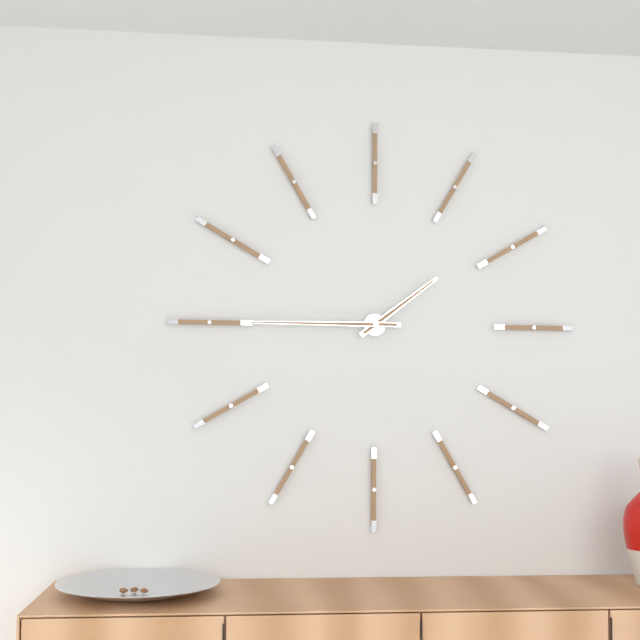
{"hour": 1, "minute": 45}
